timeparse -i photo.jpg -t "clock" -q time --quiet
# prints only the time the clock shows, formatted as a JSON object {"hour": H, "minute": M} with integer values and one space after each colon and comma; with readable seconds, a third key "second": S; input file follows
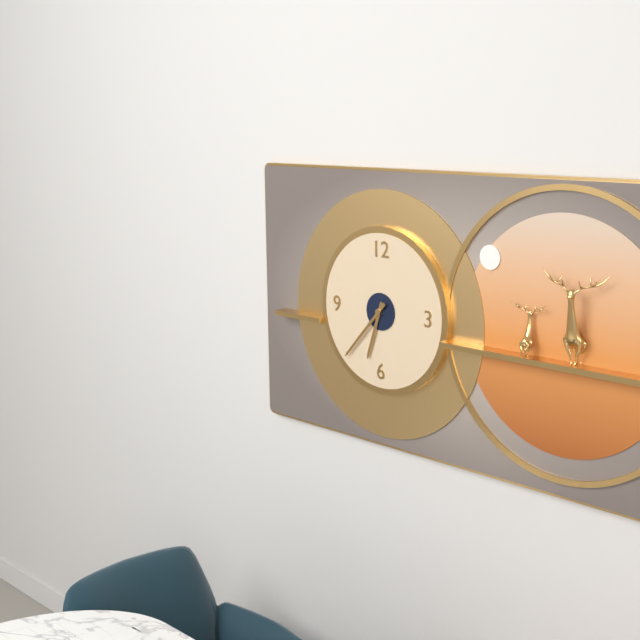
{"hour": 6, "minute": 37}
